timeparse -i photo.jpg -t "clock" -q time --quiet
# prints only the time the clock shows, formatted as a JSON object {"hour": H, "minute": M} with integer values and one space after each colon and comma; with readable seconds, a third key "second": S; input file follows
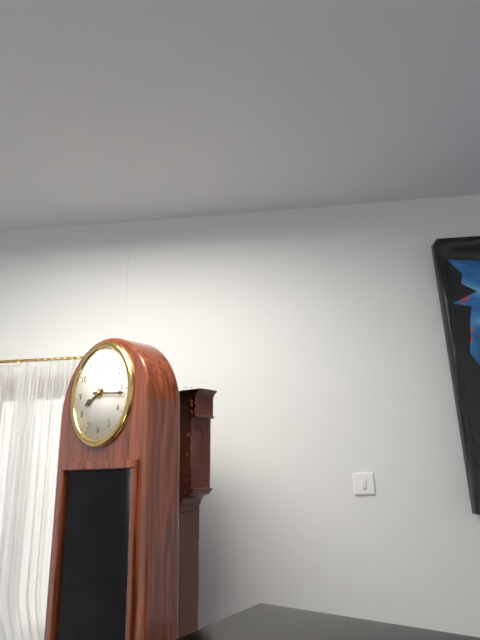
{"hour": 8, "minute": 16}
